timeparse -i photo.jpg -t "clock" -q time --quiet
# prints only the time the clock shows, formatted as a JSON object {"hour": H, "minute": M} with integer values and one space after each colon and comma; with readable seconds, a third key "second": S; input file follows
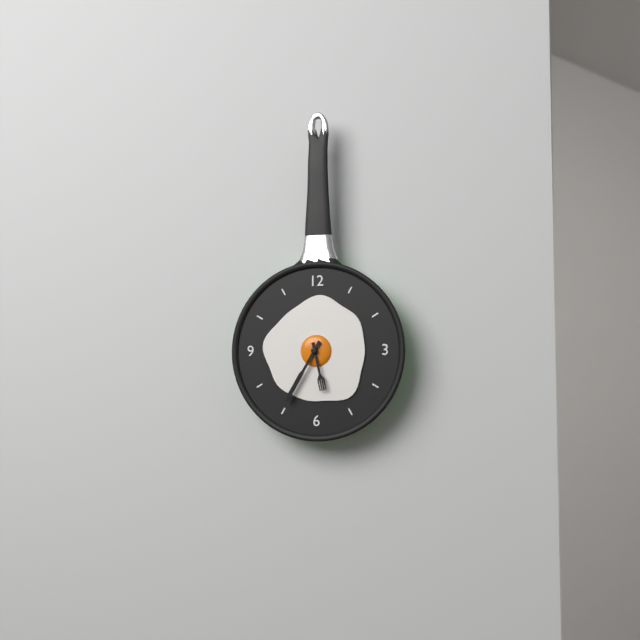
{"hour": 5, "minute": 35}
